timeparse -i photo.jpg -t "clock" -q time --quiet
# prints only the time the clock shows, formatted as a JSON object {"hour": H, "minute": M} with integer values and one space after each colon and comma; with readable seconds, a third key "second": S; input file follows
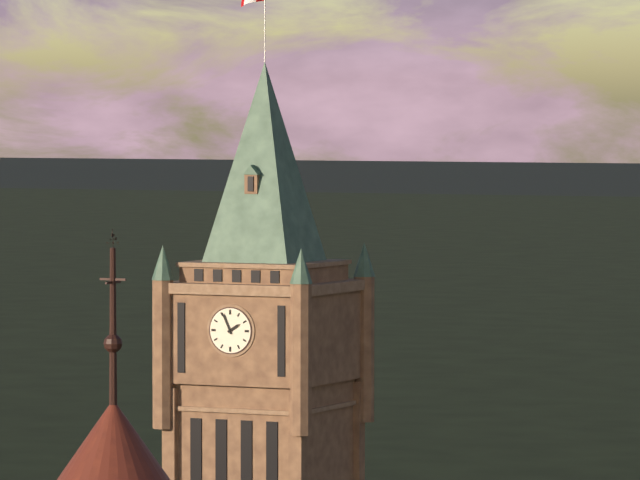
{"hour": 1, "minute": 56}
